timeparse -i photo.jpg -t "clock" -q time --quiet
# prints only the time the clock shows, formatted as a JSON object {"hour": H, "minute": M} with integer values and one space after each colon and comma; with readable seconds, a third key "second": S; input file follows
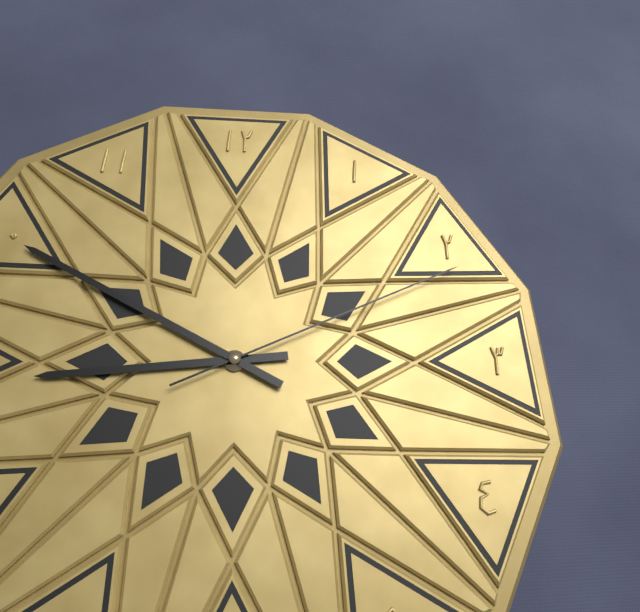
{"hour": 8, "minute": 50, "second": 11}
